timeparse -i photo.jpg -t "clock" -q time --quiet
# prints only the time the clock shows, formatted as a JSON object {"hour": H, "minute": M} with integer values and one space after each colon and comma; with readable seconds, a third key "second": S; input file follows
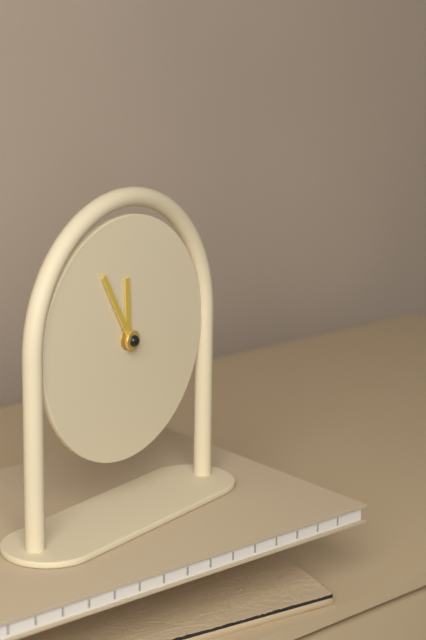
{"hour": 11, "minute": 55}
